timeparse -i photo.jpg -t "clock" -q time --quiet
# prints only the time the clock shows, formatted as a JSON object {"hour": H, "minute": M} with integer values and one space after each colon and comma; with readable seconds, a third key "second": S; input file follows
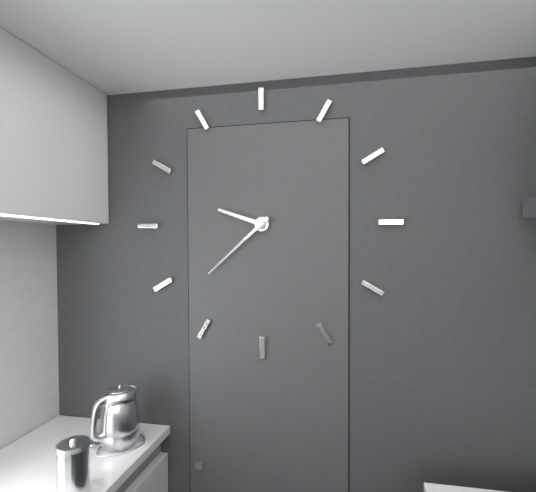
{"hour": 9, "minute": 38}
